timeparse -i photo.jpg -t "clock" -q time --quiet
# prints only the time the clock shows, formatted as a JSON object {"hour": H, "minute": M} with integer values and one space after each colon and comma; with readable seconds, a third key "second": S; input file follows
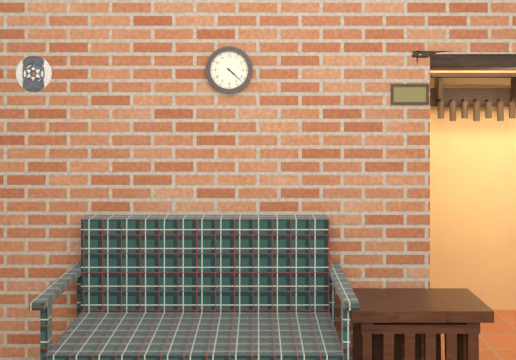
{"hour": 4, "minute": 22}
